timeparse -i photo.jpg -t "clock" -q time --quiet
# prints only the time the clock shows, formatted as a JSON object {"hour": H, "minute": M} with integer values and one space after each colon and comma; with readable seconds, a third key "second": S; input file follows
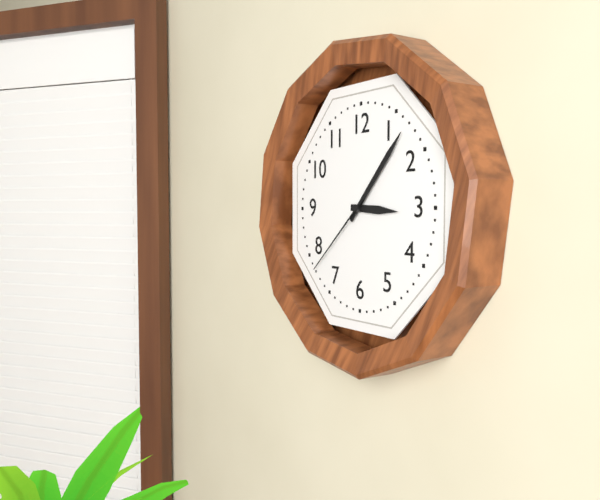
{"hour": 3, "minute": 7, "second": 38}
